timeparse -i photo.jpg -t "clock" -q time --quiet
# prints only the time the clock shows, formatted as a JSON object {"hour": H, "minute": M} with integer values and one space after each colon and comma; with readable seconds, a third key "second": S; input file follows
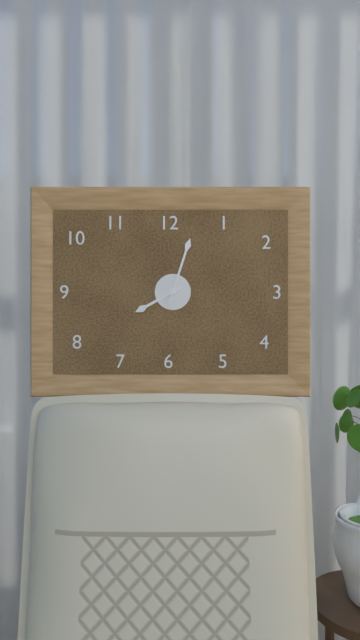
{"hour": 8, "minute": 3}
